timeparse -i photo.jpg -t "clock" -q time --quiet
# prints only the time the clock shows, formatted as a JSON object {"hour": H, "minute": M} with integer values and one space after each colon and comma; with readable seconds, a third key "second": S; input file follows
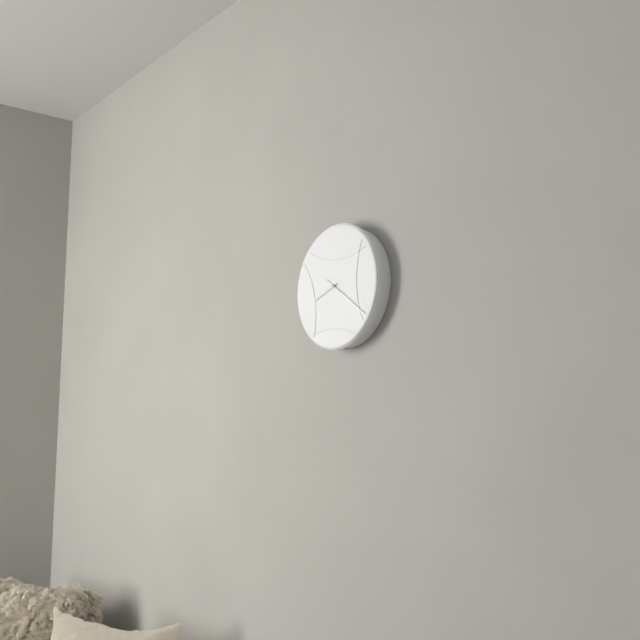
{"hour": 8, "minute": 21}
